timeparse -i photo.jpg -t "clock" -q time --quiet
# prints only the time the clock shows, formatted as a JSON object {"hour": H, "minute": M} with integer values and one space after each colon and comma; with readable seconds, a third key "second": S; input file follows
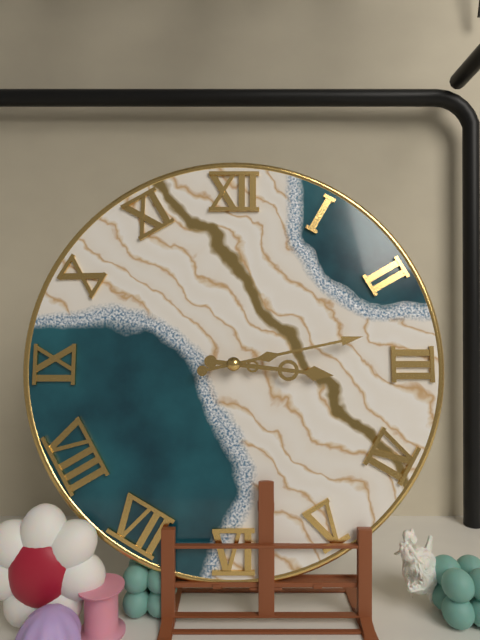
{"hour": 3, "minute": 13}
